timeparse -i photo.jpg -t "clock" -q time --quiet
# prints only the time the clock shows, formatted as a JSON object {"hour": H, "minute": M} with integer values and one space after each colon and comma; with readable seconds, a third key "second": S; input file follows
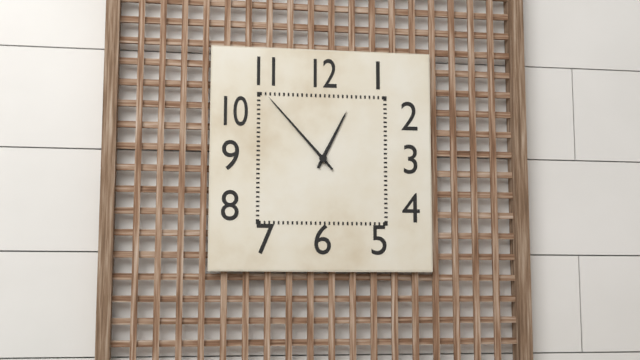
{"hour": 12, "minute": 53}
